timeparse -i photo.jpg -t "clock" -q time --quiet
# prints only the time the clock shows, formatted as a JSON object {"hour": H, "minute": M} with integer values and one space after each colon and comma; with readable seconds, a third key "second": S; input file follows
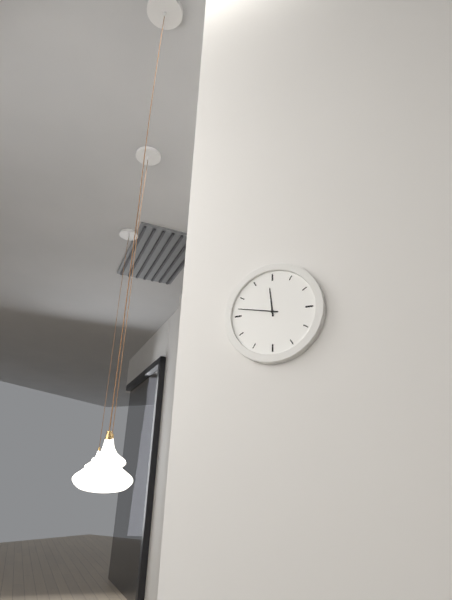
{"hour": 11, "minute": 47}
